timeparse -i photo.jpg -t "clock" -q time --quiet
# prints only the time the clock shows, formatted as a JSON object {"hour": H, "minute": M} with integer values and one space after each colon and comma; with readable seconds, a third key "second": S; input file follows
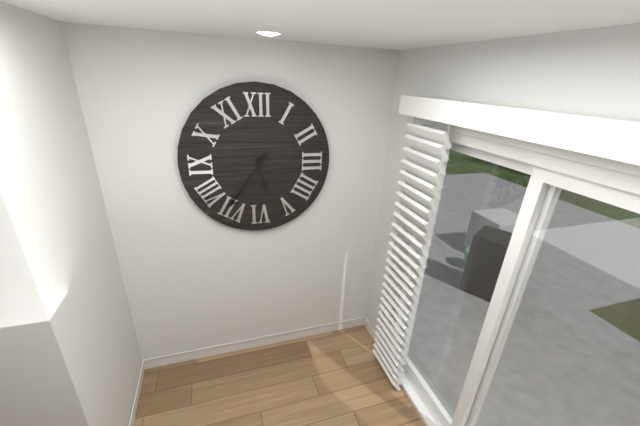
{"hour": 5, "minute": 36}
